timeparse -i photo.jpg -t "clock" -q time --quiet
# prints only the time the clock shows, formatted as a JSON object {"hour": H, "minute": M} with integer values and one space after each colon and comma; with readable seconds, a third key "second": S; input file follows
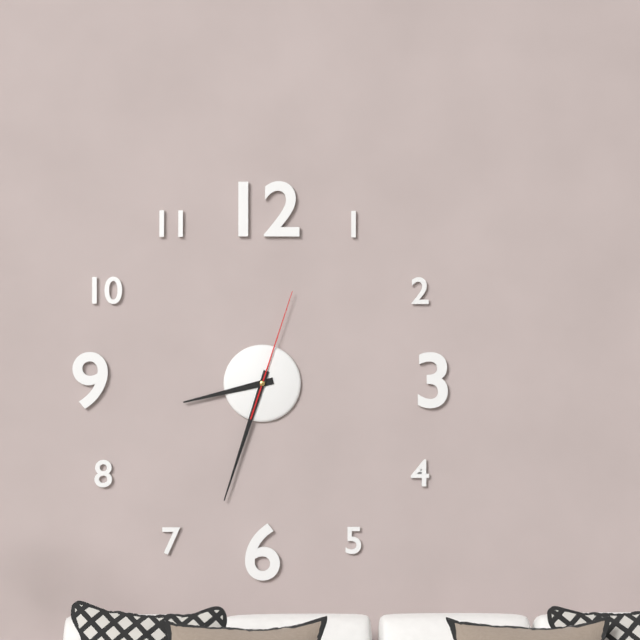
{"hour": 8, "minute": 33, "second": 3}
